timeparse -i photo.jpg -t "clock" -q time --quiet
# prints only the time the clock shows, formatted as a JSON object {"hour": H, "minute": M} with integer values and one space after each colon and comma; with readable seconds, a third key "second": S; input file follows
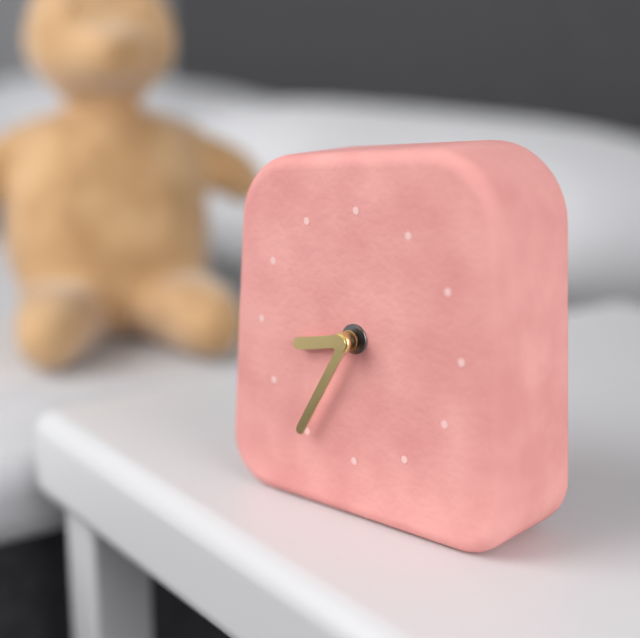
{"hour": 8, "minute": 35}
